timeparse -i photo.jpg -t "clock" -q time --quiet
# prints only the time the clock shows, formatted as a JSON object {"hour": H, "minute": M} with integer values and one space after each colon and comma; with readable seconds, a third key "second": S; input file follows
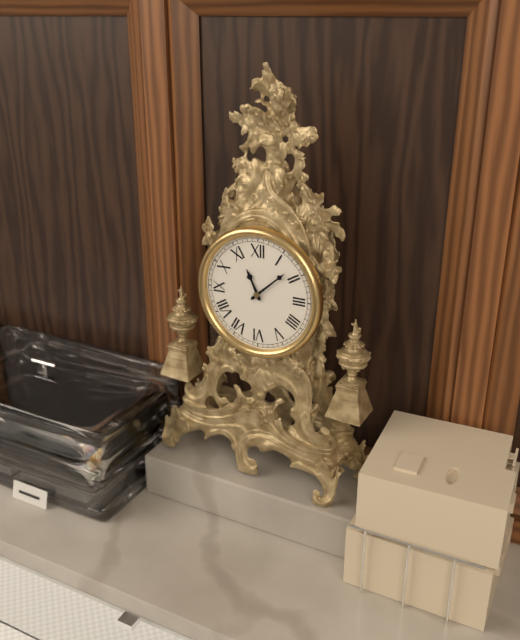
{"hour": 11, "minute": 8}
